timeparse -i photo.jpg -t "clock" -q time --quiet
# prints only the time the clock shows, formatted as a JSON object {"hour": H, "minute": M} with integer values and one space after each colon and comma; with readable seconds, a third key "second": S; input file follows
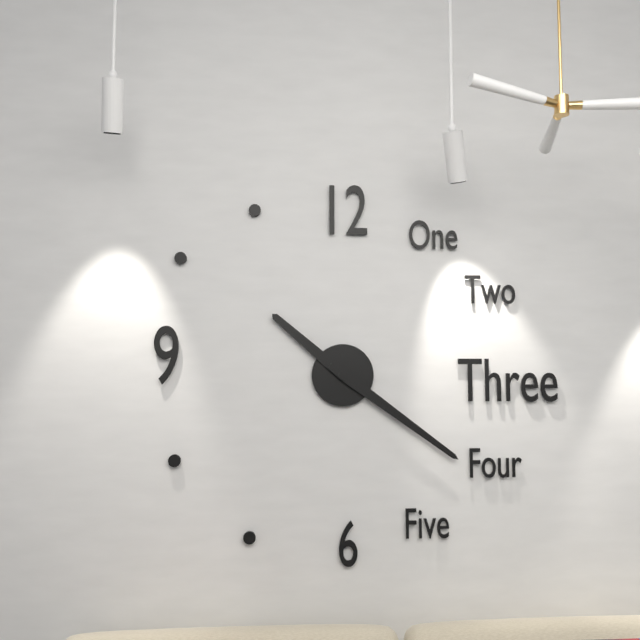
{"hour": 10, "minute": 21}
